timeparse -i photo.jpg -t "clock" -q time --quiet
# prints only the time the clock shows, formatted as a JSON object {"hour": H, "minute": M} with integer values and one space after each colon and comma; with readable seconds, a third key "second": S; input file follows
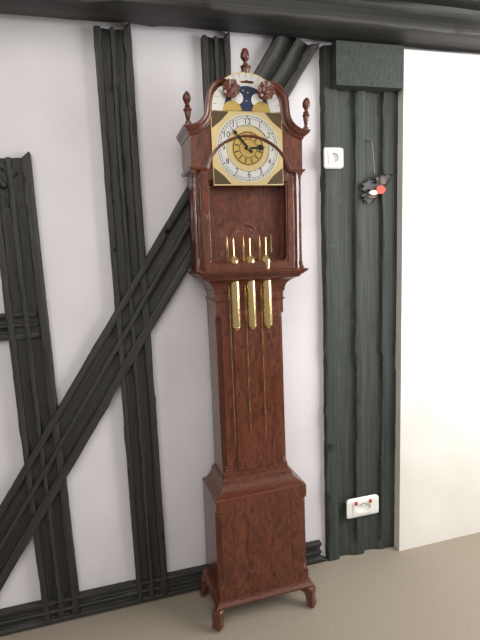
{"hour": 2, "minute": 53}
